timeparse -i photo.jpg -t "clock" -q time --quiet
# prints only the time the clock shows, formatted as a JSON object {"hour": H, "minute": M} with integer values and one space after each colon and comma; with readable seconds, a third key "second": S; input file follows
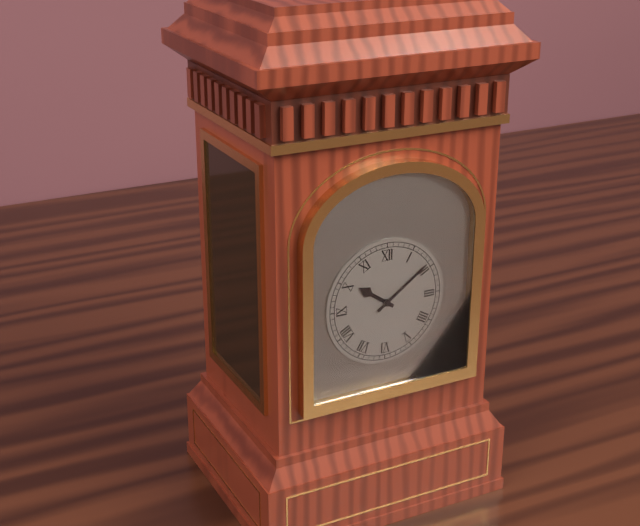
{"hour": 10, "minute": 9}
